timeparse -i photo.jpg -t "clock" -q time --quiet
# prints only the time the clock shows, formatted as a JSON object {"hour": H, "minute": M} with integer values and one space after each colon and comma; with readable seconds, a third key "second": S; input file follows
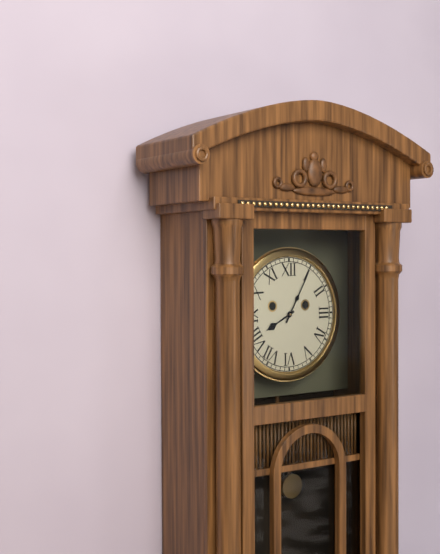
{"hour": 8, "minute": 5}
